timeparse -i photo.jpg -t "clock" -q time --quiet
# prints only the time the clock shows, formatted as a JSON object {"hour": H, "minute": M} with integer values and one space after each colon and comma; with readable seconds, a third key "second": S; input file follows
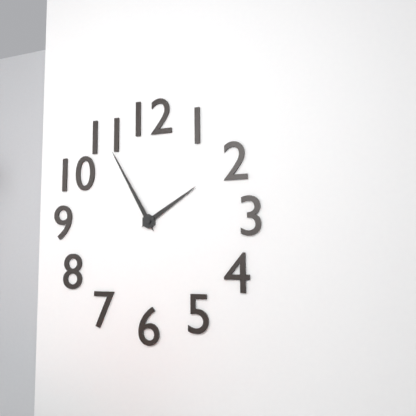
{"hour": 1, "minute": 55}
